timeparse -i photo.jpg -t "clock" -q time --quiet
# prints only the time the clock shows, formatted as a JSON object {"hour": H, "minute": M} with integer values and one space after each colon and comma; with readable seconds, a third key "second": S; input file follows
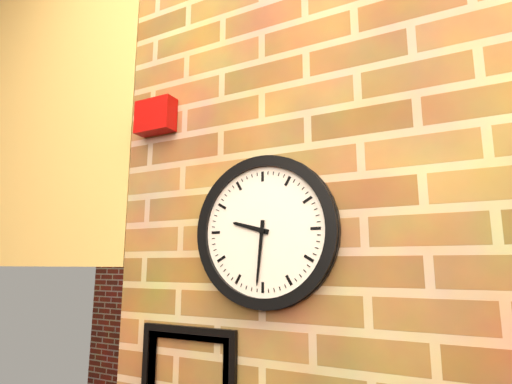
{"hour": 9, "minute": 31}
